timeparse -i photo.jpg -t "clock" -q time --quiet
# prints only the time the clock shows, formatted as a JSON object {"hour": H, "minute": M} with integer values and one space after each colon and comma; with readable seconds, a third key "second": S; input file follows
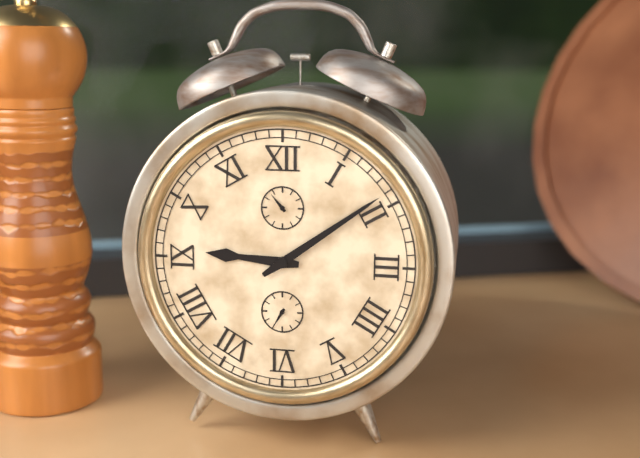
{"hour": 9, "minute": 9}
